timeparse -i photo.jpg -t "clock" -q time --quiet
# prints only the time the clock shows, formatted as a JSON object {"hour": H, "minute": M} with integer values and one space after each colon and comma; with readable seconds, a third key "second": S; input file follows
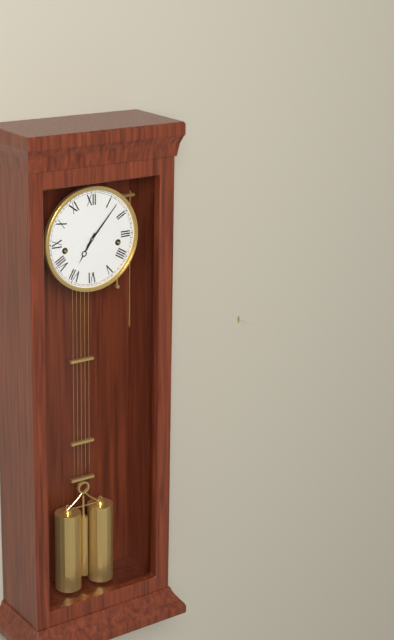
{"hour": 7, "minute": 7}
